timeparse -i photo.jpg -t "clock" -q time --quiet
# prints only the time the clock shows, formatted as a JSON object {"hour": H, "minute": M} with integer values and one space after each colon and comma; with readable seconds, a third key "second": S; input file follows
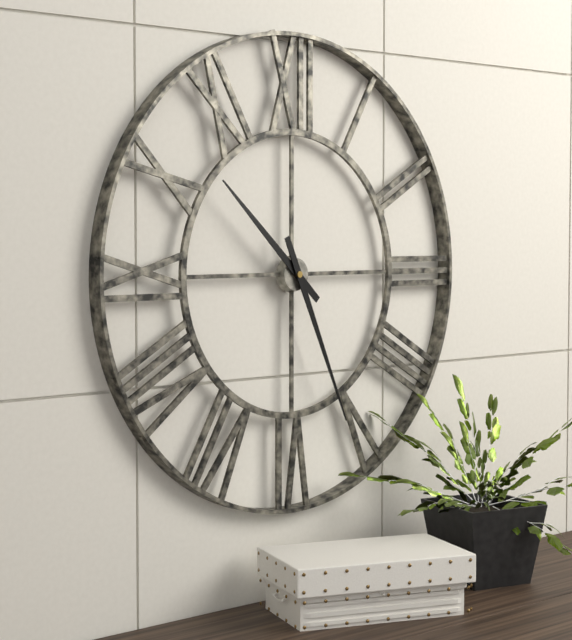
{"hour": 10, "minute": 26}
